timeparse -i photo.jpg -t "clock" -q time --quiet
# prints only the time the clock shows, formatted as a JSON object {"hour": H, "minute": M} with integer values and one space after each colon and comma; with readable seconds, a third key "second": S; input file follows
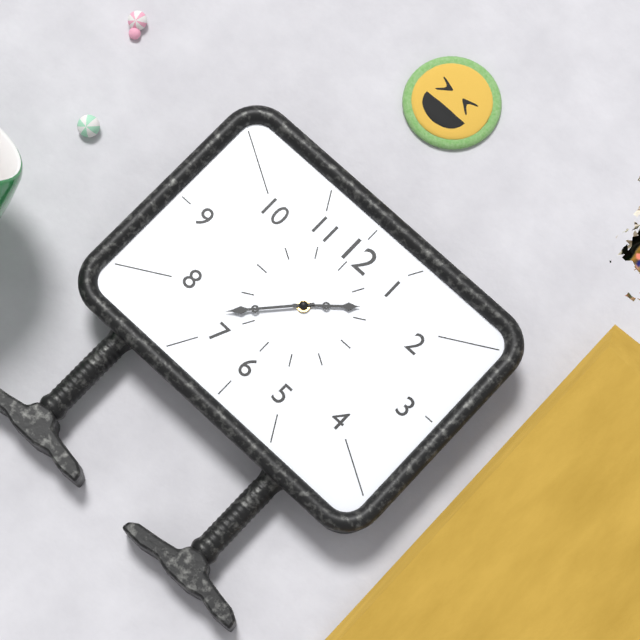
{"hour": 1, "minute": 37}
